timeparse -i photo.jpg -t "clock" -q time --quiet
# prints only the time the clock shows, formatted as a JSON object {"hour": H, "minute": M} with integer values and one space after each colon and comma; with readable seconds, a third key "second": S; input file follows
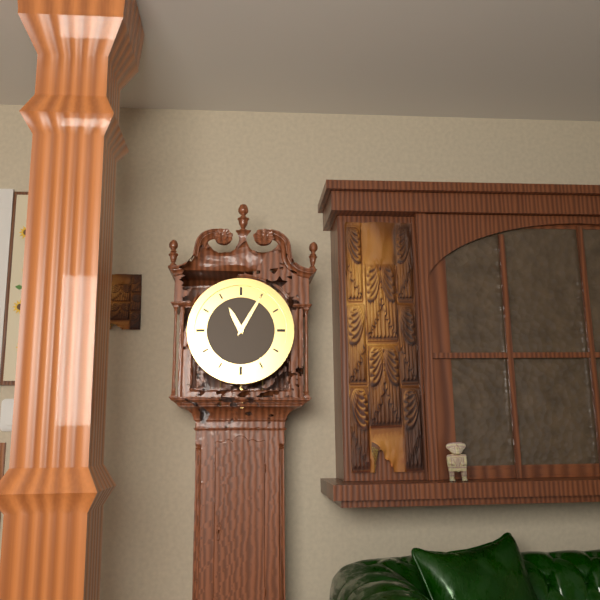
{"hour": 11, "minute": 5}
